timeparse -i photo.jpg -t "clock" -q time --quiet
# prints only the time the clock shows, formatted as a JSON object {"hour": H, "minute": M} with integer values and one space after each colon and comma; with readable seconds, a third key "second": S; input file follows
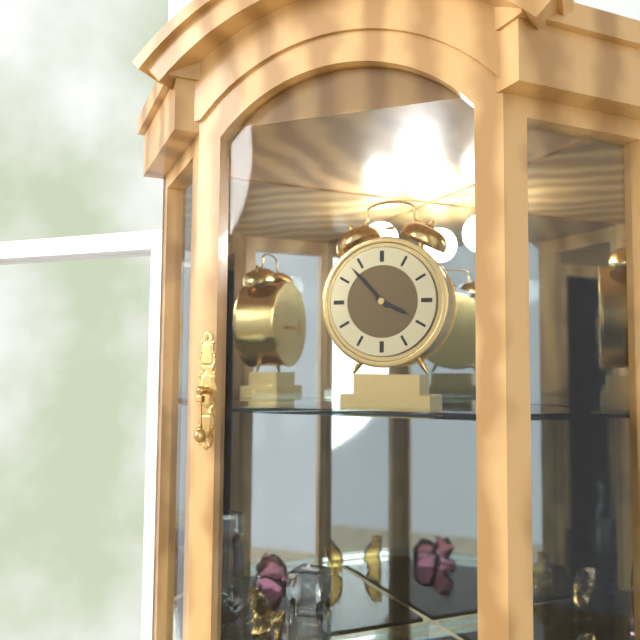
{"hour": 3, "minute": 53}
